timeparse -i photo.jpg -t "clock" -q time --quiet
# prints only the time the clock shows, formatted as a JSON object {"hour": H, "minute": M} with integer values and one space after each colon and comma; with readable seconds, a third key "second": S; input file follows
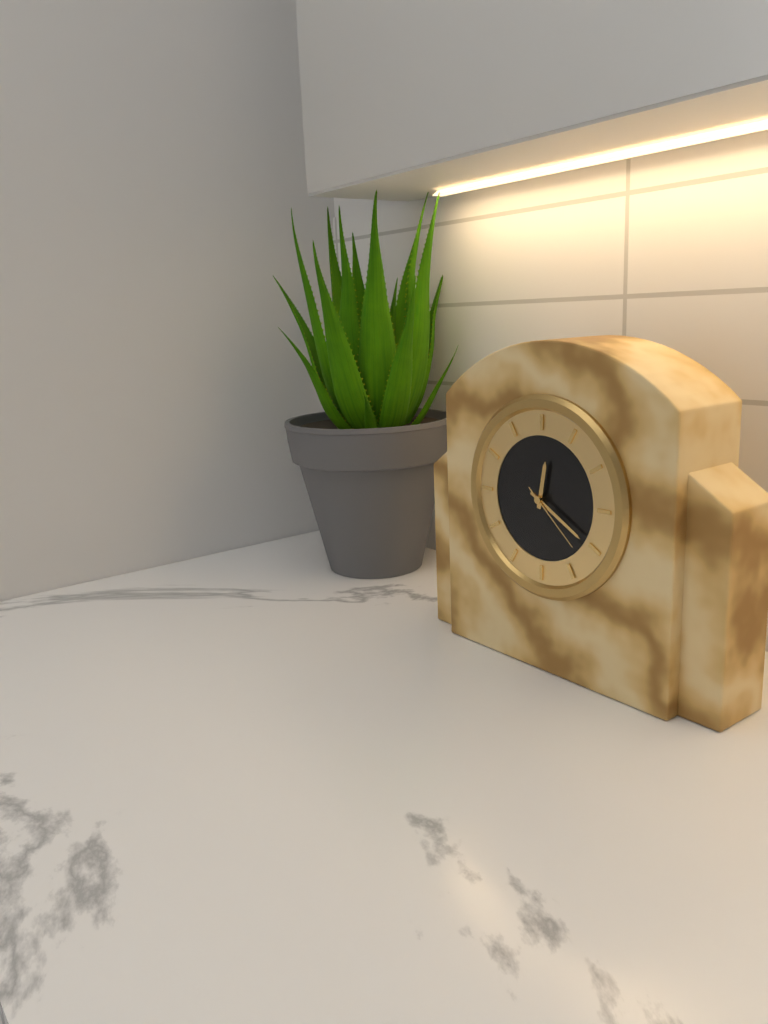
{"hour": 12, "minute": 20, "second": 22}
